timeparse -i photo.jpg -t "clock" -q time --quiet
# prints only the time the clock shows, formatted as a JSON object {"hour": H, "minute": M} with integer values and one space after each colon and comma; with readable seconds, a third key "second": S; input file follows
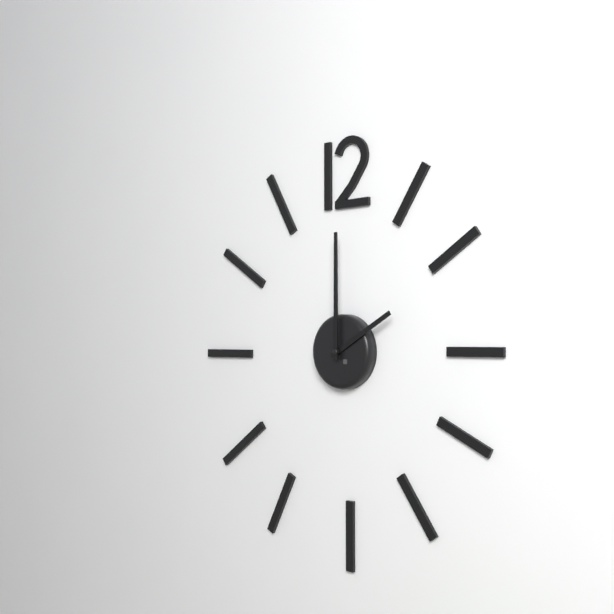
{"hour": 2, "minute": 0}
